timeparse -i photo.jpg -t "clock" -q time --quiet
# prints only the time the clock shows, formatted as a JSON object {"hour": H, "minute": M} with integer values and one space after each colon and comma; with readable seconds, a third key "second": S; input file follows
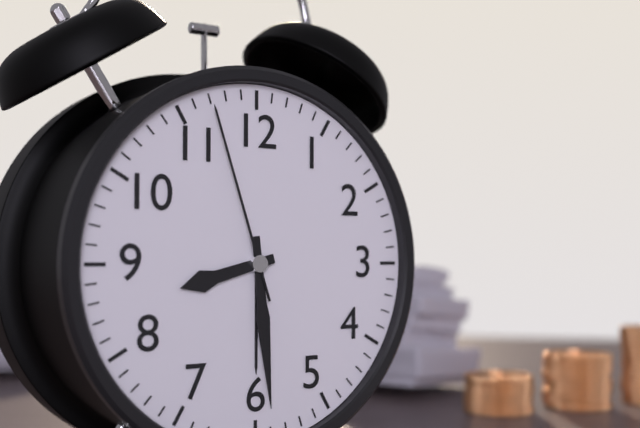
{"hour": 8, "minute": 29, "second": 57}
